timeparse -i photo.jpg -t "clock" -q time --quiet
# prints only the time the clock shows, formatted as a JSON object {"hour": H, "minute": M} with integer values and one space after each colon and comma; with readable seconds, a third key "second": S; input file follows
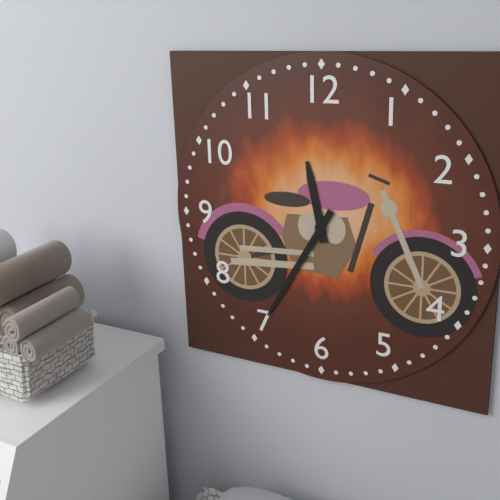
{"hour": 11, "minute": 35}
